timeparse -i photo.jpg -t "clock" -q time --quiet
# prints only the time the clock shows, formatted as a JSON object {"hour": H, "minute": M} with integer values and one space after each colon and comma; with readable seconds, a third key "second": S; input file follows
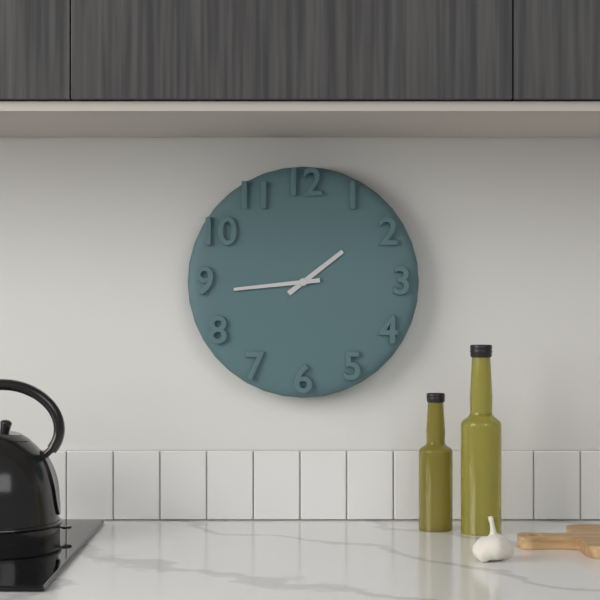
{"hour": 1, "minute": 44}
